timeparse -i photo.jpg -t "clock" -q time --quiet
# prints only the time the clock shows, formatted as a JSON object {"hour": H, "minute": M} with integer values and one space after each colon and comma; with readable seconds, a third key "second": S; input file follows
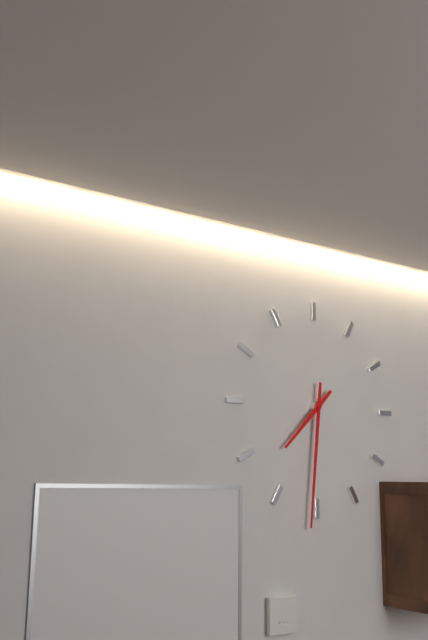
{"hour": 7, "minute": 31}
